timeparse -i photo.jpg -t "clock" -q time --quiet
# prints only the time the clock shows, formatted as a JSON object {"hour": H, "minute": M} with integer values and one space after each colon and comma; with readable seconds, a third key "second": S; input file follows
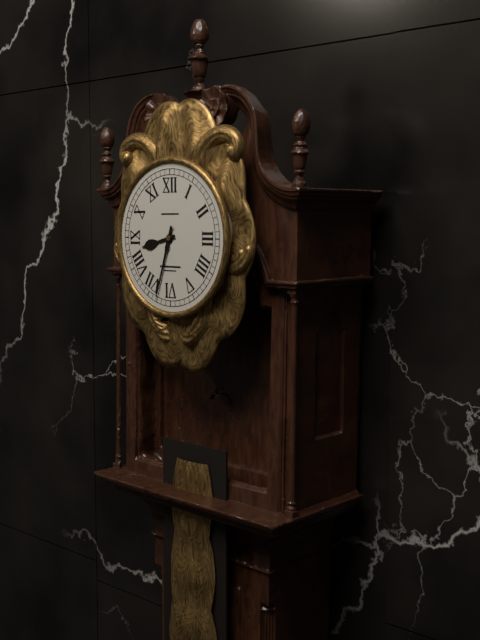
{"hour": 8, "minute": 33}
